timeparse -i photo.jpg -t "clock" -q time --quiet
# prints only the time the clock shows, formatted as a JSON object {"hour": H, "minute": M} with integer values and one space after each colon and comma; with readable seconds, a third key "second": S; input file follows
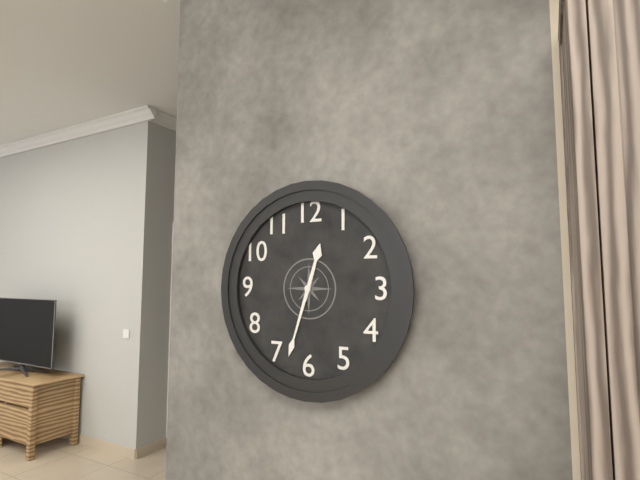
{"hour": 12, "minute": 33}
